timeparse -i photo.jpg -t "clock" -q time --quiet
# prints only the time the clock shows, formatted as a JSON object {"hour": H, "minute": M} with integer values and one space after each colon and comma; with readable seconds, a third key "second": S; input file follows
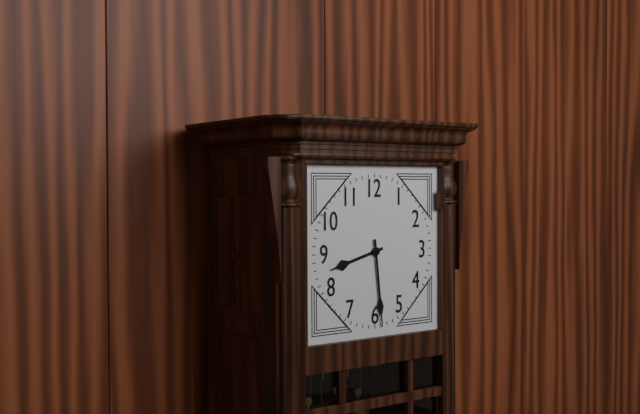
{"hour": 8, "minute": 29}
